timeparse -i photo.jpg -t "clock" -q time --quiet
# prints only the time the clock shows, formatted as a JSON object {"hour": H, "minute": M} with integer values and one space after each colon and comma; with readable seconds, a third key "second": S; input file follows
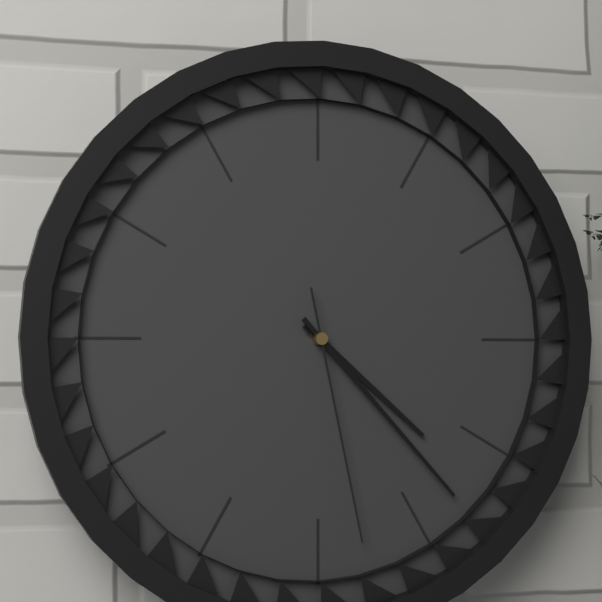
{"hour": 4, "minute": 23, "second": 28}
